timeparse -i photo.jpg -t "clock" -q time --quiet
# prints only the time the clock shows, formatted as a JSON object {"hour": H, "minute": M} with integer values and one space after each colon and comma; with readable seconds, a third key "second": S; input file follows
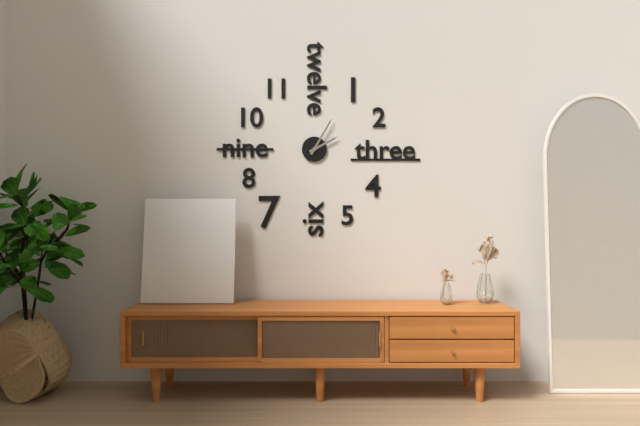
{"hour": 2, "minute": 5}
